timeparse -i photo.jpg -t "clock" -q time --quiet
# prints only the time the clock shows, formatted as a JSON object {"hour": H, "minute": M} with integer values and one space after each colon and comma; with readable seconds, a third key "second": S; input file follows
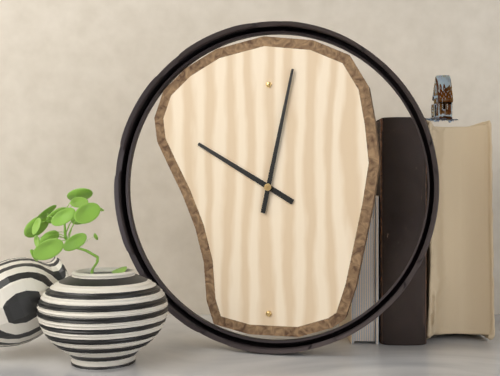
{"hour": 10, "minute": 2}
